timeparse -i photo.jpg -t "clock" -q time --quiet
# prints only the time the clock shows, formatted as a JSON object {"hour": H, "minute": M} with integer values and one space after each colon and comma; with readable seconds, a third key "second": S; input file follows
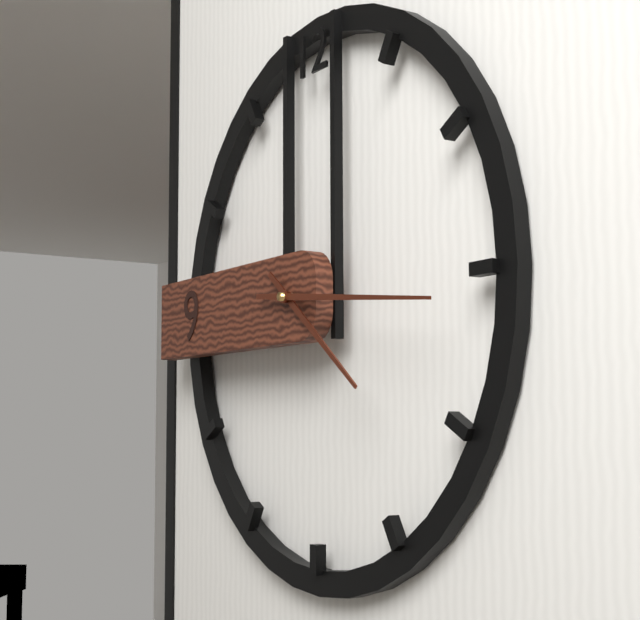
{"hour": 4, "minute": 16}
